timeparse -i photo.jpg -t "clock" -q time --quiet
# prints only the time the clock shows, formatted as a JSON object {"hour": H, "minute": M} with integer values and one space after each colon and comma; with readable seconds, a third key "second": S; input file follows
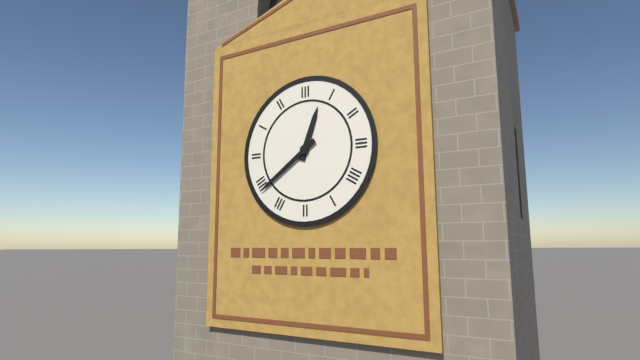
{"hour": 12, "minute": 39}
